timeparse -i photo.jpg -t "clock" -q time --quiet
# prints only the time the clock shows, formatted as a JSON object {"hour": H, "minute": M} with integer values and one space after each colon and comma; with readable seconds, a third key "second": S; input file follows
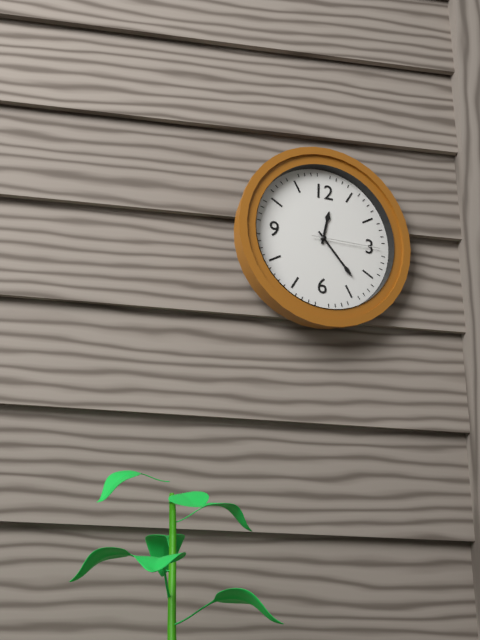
{"hour": 12, "minute": 23, "second": 15}
